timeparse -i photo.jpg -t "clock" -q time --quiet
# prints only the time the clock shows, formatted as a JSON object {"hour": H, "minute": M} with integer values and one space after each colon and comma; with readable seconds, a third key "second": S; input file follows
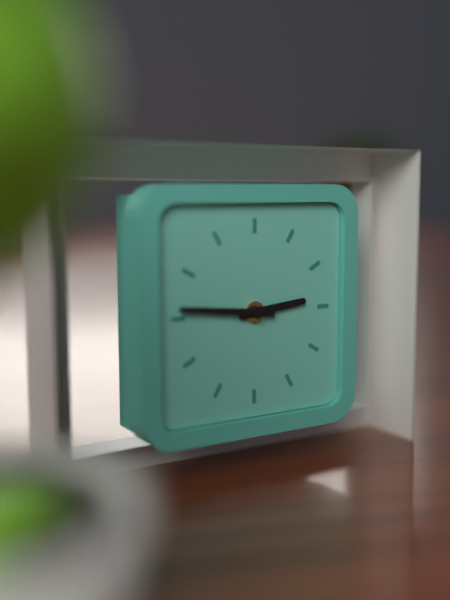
{"hour": 2, "minute": 46}
